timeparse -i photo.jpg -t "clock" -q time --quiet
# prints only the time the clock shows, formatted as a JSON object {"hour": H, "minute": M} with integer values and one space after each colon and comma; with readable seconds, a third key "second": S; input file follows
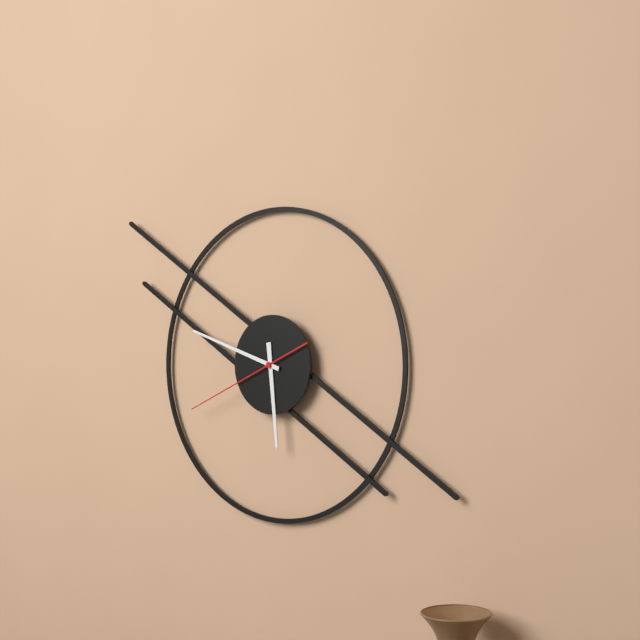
{"hour": 5, "minute": 48, "second": 41}
